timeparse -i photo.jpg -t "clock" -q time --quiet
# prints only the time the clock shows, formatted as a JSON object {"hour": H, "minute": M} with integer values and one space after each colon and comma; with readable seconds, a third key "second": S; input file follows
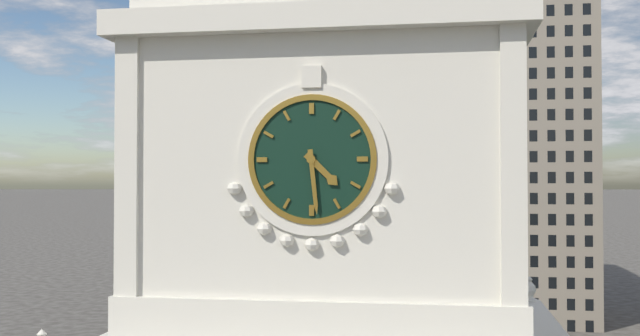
{"hour": 4, "minute": 29}
